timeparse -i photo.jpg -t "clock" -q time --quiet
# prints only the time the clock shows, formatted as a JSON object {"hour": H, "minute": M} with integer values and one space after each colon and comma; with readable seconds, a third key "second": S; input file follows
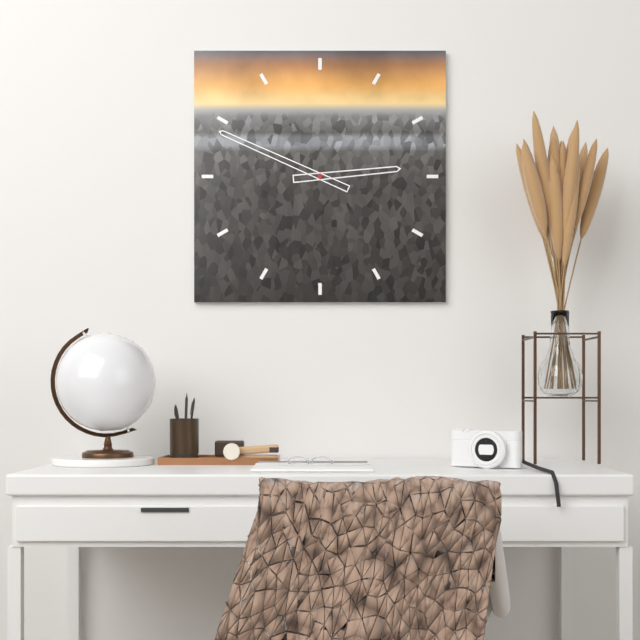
{"hour": 2, "minute": 49}
